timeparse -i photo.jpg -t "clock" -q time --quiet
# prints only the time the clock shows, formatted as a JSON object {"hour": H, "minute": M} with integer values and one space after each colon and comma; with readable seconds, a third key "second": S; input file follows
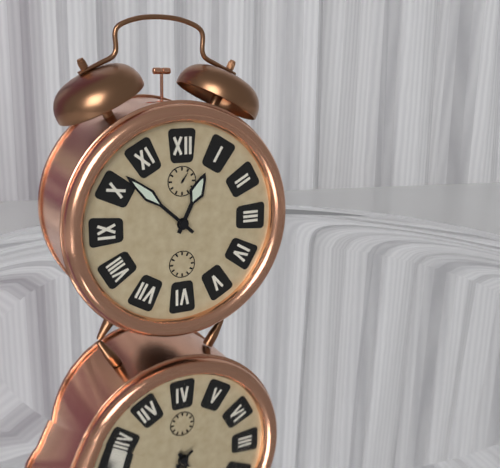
{"hour": 12, "minute": 52}
